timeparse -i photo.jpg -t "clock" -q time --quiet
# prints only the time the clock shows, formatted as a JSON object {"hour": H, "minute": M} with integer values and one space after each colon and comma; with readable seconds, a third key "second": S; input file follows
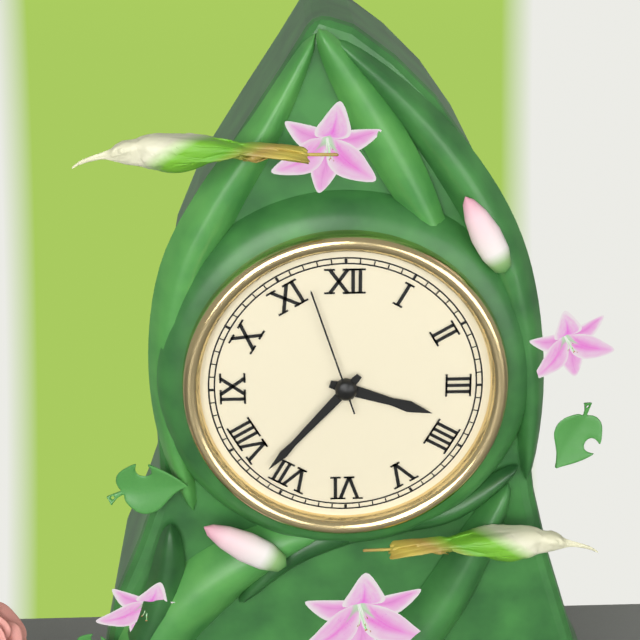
{"hour": 3, "minute": 37, "second": 57}
